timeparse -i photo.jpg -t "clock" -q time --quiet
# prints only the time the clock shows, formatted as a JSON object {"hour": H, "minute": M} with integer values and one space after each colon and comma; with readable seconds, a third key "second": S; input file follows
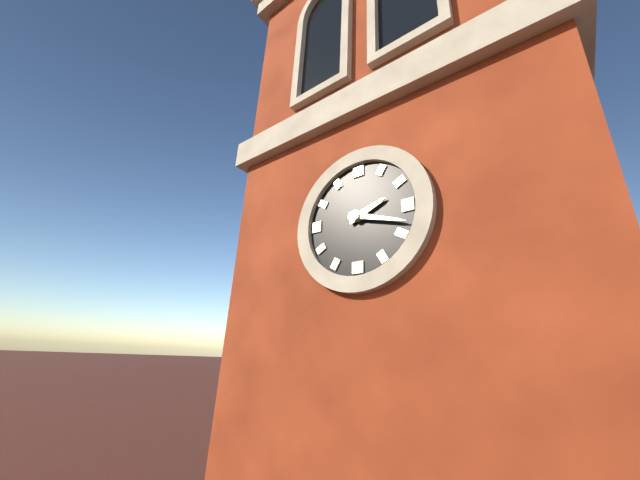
{"hour": 2, "minute": 18}
